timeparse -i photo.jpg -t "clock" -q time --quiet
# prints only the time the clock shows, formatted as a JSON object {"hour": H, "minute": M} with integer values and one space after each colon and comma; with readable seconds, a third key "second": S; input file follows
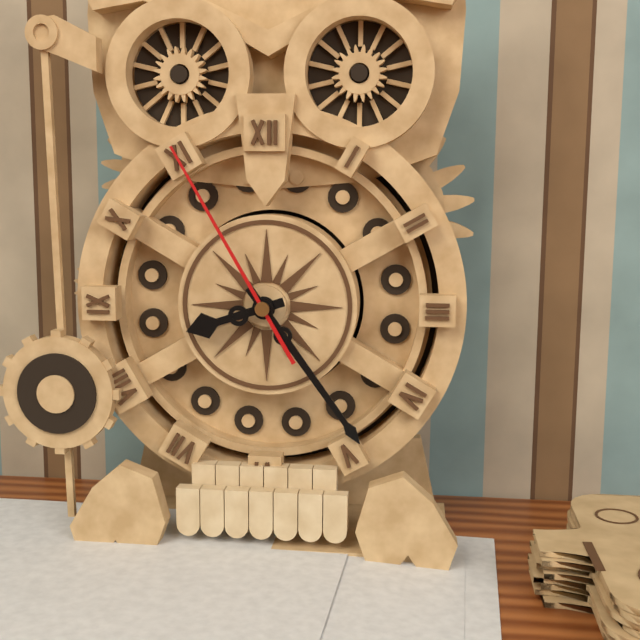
{"hour": 8, "minute": 24, "second": 55}
